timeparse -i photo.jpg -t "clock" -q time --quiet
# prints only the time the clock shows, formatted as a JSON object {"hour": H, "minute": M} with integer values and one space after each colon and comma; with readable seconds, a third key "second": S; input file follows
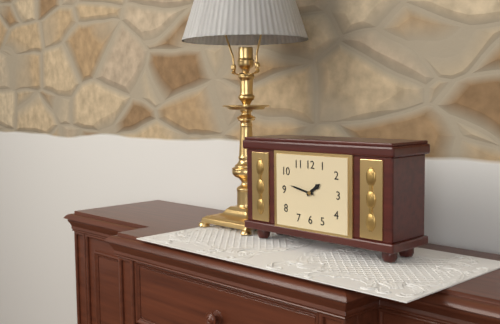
{"hour": 1, "minute": 47}
